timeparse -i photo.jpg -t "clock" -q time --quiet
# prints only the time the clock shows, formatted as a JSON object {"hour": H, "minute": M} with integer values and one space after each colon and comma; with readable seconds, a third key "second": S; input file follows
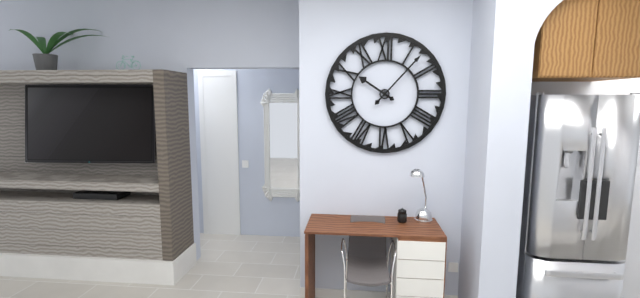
{"hour": 10, "minute": 7}
